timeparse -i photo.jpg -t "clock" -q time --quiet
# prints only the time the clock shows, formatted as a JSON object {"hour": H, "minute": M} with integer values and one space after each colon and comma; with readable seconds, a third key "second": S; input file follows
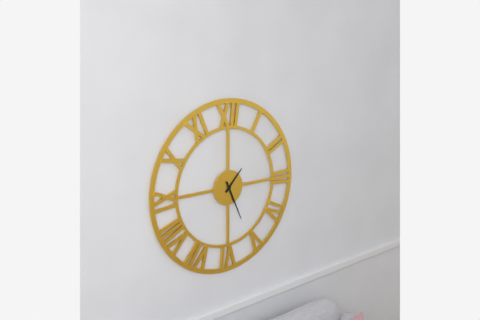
{"hour": 1, "minute": 26}
